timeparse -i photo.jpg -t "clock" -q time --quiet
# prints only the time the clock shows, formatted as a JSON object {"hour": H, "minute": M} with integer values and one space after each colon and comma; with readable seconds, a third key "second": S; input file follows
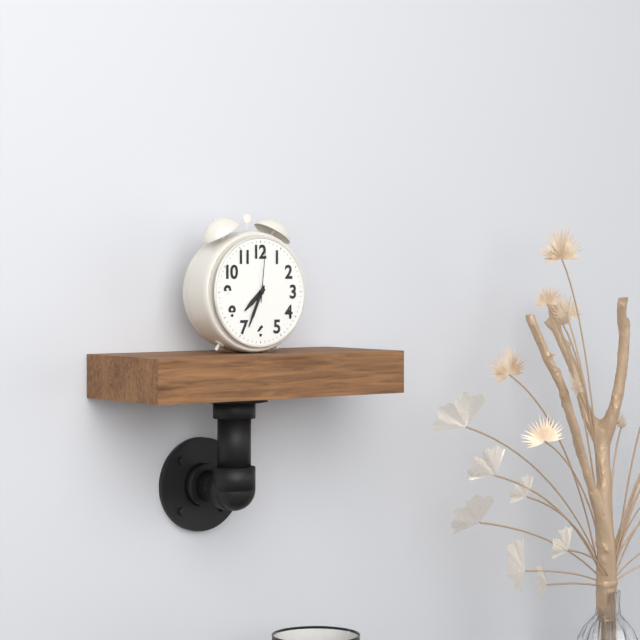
{"hour": 7, "minute": 34, "second": 1}
